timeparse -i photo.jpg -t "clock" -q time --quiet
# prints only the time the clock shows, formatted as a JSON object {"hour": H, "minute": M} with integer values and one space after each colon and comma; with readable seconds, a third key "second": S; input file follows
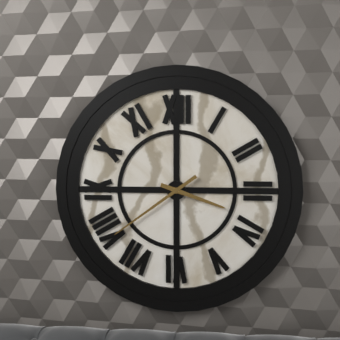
{"hour": 3, "minute": 39}
